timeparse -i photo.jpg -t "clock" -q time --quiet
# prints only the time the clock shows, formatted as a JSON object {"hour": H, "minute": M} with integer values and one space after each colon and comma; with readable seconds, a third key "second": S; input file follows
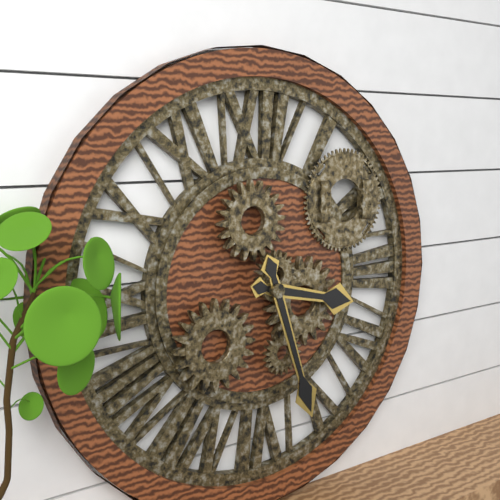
{"hour": 3, "minute": 27}
